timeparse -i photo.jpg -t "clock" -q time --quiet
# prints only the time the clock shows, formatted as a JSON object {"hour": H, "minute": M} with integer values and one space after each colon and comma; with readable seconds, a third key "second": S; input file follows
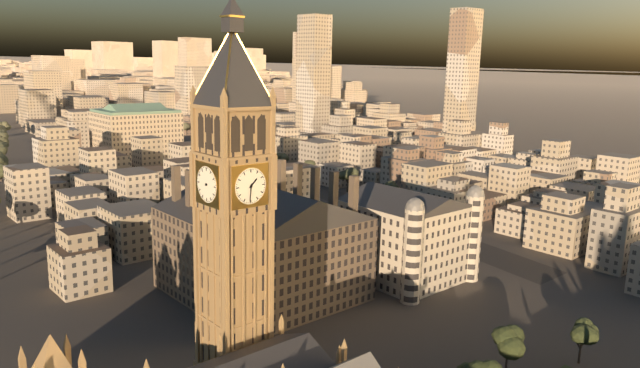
{"hour": 1, "minute": 31}
